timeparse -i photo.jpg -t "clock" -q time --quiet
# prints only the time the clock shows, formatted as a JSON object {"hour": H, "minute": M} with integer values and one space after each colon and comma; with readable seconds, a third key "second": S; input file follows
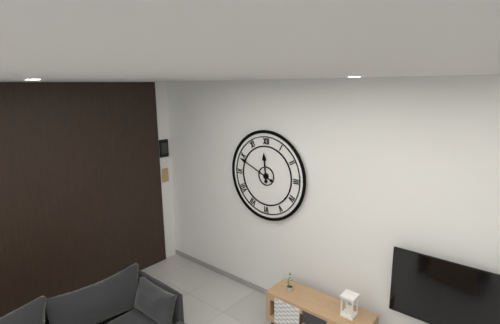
{"hour": 11, "minute": 49}
